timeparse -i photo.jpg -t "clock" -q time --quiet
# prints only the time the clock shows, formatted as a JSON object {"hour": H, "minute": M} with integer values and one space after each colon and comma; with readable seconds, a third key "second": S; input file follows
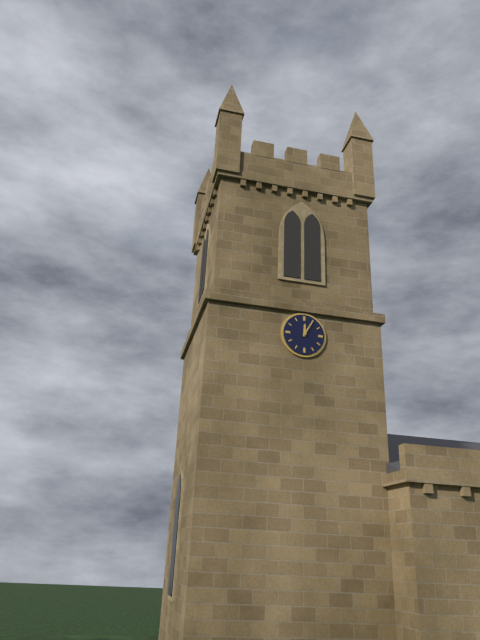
{"hour": 12, "minute": 5}
